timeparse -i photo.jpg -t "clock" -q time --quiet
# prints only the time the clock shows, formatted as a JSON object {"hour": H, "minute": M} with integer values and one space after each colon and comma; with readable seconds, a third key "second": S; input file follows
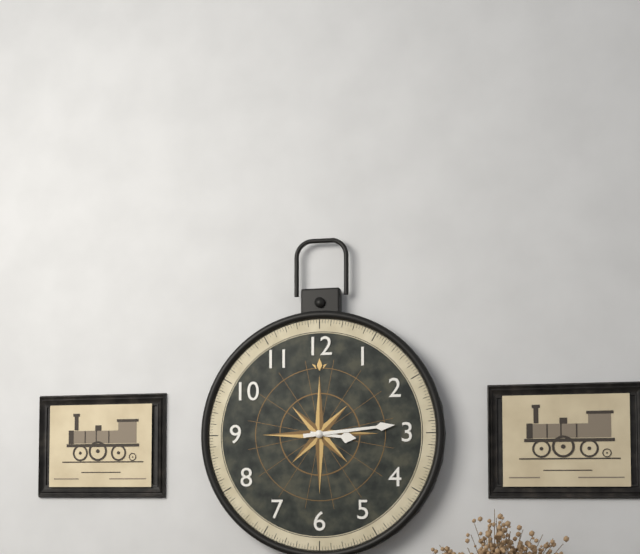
{"hour": 3, "minute": 14}
